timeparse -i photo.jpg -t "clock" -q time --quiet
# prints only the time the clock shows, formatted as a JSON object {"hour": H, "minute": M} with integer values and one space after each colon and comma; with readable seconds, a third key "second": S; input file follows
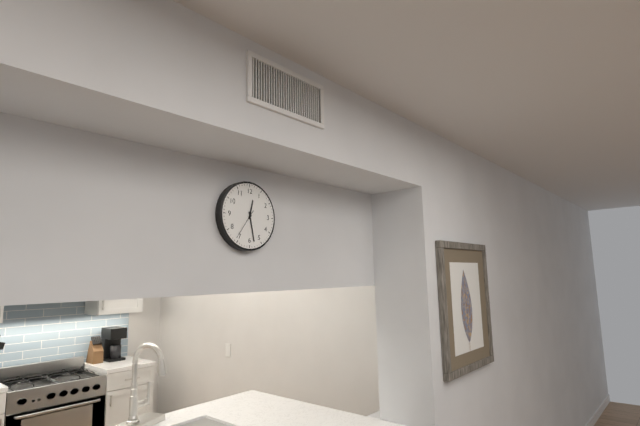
{"hour": 12, "minute": 28}
